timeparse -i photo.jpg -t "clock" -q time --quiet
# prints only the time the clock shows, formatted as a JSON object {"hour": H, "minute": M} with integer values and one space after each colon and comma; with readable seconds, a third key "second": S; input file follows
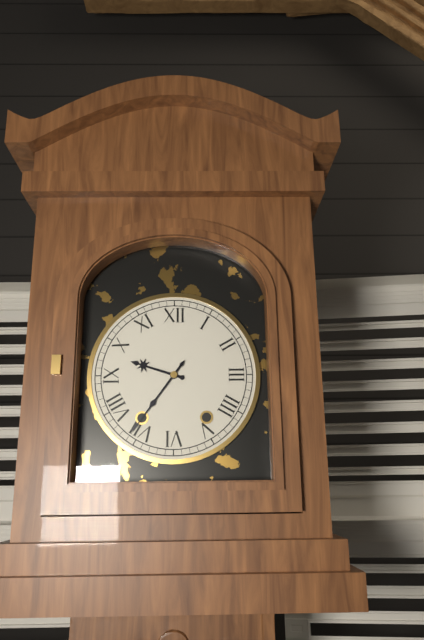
{"hour": 9, "minute": 36}
